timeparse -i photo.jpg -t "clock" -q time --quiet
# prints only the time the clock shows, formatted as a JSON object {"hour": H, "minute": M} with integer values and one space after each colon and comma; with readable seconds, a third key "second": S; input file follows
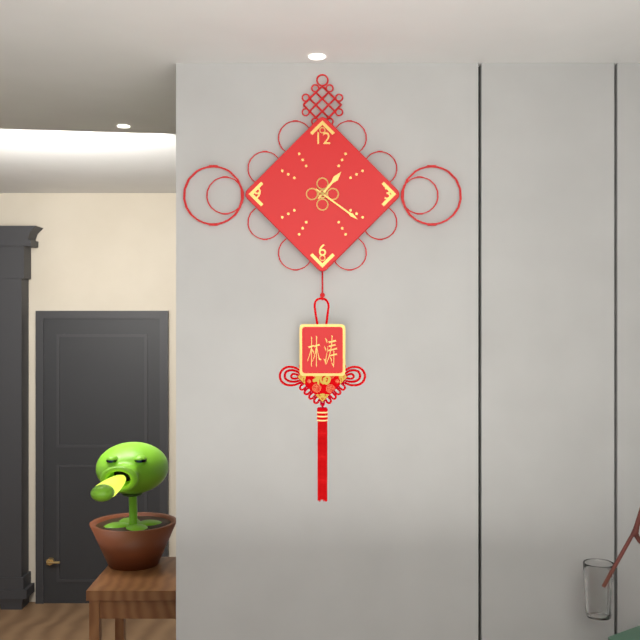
{"hour": 1, "minute": 21}
